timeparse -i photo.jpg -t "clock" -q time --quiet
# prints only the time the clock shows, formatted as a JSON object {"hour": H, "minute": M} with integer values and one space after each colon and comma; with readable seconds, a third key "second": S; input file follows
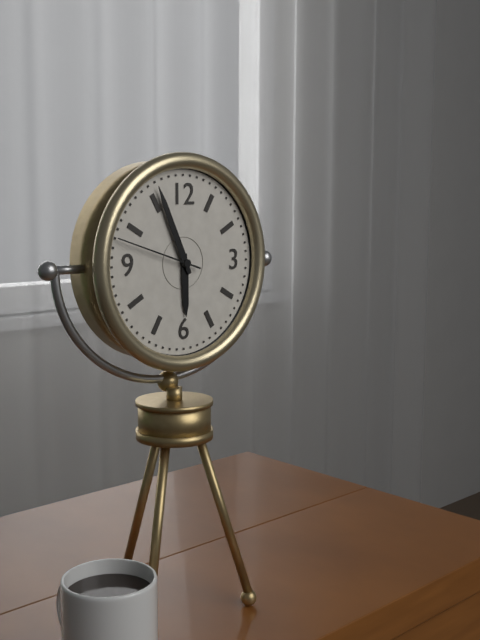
{"hour": 5, "minute": 56, "second": 48}
